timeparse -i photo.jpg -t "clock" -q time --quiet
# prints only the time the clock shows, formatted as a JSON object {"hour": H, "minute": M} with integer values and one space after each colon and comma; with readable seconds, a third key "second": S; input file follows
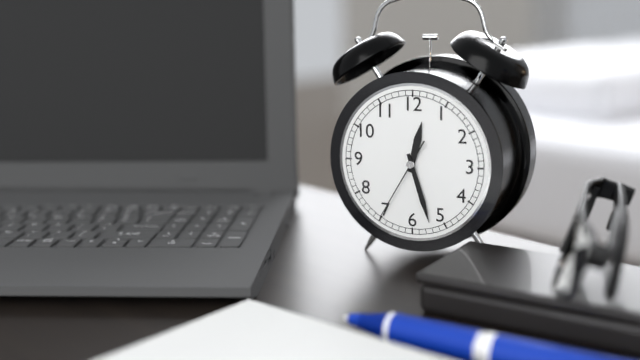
{"hour": 12, "minute": 27, "second": 35}
